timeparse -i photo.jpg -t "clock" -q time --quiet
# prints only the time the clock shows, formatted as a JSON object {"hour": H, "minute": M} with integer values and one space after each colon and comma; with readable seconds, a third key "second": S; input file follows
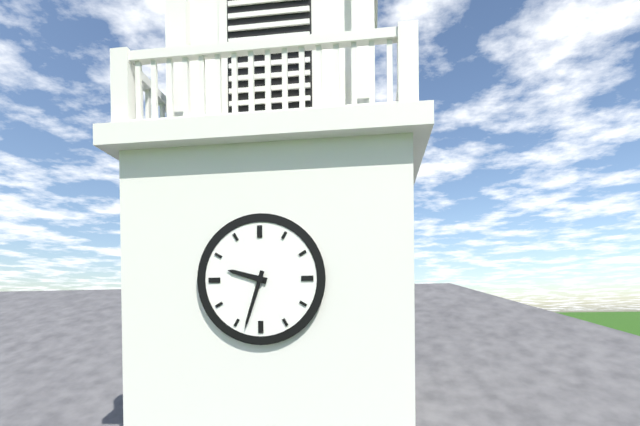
{"hour": 9, "minute": 33}
